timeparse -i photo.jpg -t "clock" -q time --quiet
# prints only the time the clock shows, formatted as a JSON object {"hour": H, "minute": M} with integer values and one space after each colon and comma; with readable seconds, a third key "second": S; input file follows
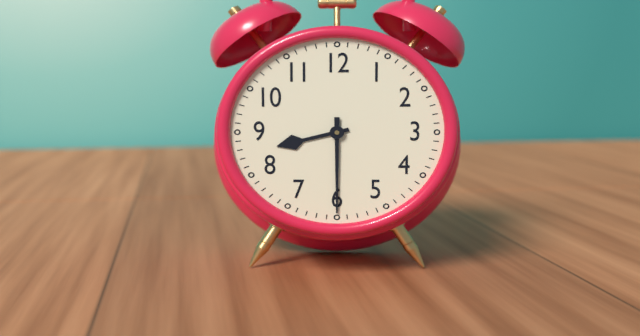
{"hour": 8, "minute": 30}
